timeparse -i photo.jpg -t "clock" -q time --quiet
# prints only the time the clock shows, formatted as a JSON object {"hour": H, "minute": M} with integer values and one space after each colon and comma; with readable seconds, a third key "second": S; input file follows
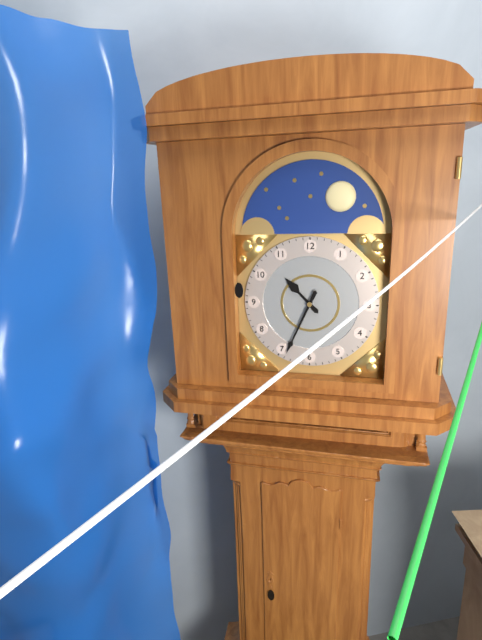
{"hour": 10, "minute": 34}
